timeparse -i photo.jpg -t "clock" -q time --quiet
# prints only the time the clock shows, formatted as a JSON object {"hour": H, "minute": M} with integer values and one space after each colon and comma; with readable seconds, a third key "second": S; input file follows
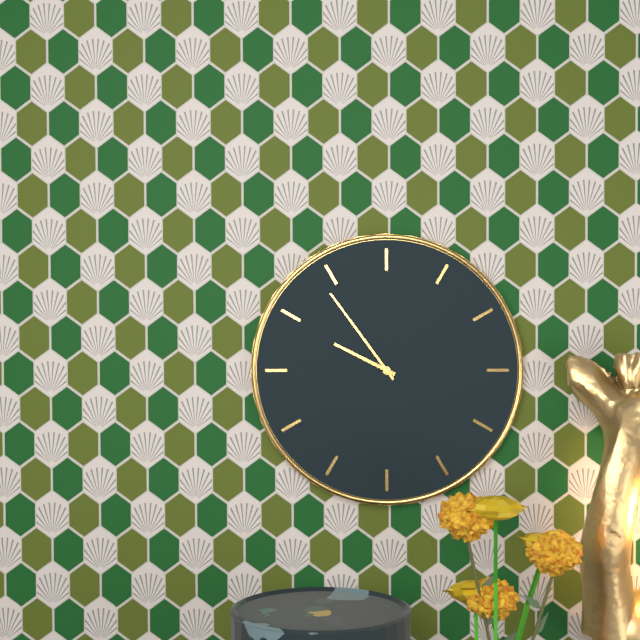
{"hour": 9, "minute": 54}
